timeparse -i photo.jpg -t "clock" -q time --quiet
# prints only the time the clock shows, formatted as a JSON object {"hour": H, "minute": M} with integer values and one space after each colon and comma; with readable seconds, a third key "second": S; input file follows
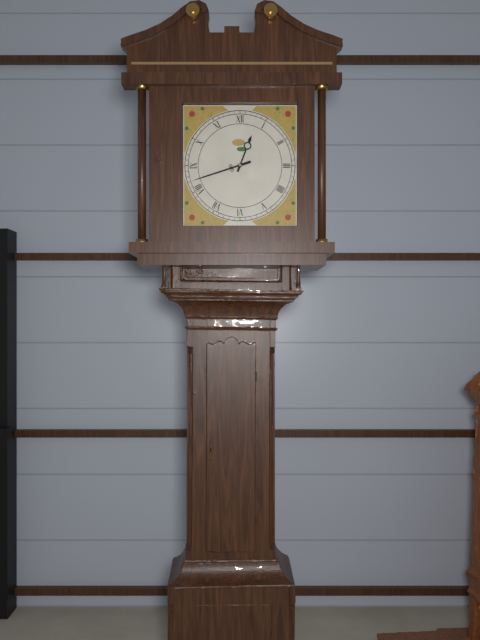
{"hour": 12, "minute": 42}
